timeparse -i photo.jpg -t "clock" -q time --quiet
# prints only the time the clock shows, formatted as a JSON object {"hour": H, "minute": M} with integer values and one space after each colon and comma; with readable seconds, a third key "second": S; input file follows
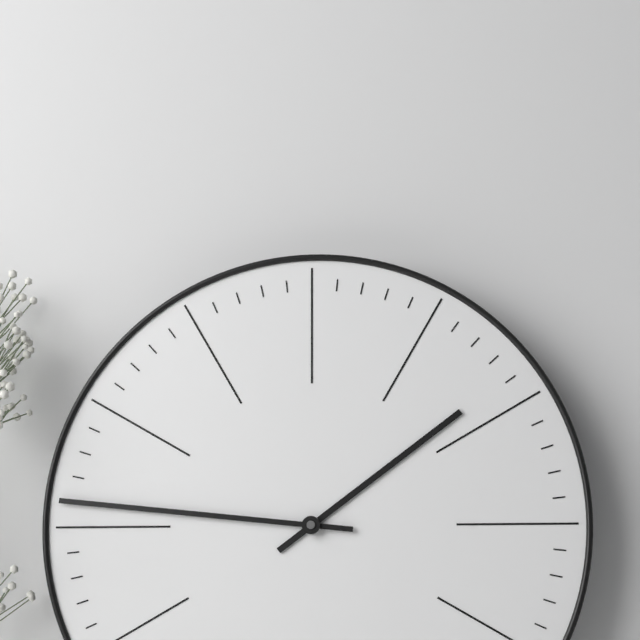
{"hour": 1, "minute": 46}
